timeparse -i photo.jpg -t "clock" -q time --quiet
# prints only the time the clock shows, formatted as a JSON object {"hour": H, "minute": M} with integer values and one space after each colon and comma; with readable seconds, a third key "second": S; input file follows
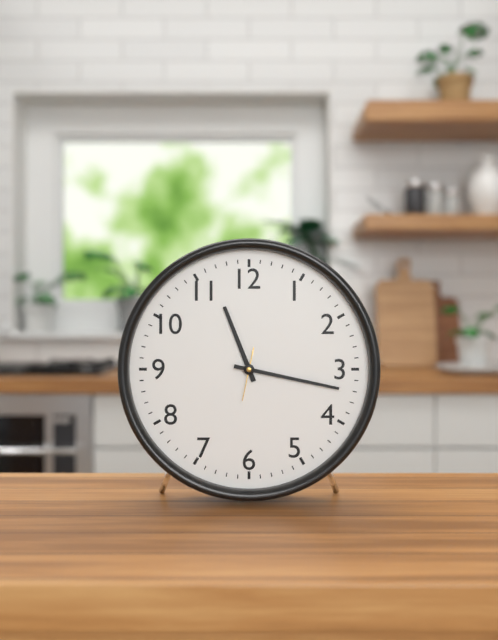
{"hour": 11, "minute": 17}
